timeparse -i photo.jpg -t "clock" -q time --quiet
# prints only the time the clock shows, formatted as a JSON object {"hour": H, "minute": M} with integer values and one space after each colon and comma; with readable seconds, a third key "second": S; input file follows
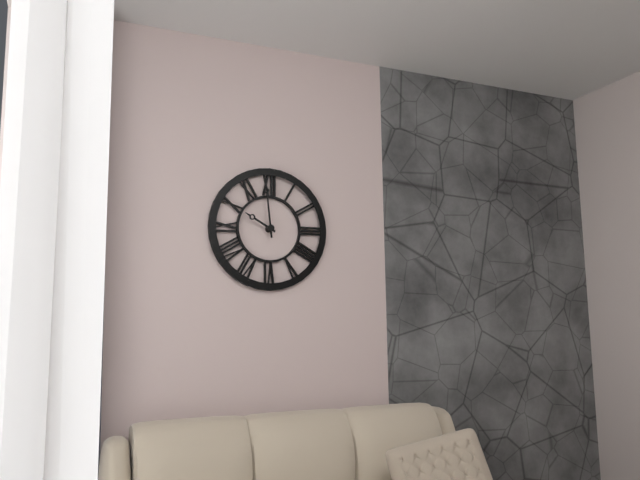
{"hour": 9, "minute": 59}
